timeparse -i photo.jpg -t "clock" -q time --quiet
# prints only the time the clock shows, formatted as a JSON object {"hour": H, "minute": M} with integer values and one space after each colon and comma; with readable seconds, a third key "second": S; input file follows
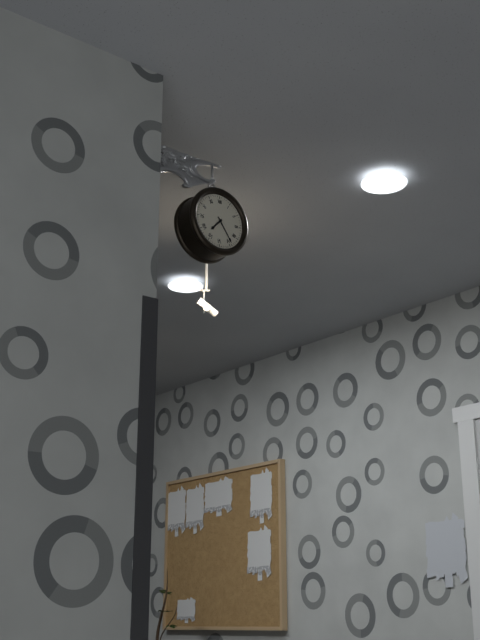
{"hour": 7, "minute": 24}
